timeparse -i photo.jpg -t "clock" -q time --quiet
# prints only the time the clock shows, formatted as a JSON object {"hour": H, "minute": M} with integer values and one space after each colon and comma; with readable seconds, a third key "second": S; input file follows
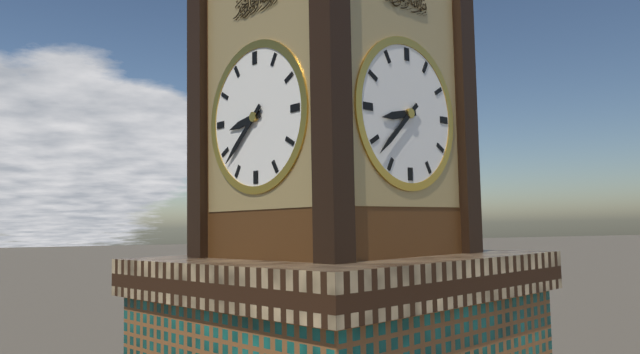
{"hour": 8, "minute": 38}
